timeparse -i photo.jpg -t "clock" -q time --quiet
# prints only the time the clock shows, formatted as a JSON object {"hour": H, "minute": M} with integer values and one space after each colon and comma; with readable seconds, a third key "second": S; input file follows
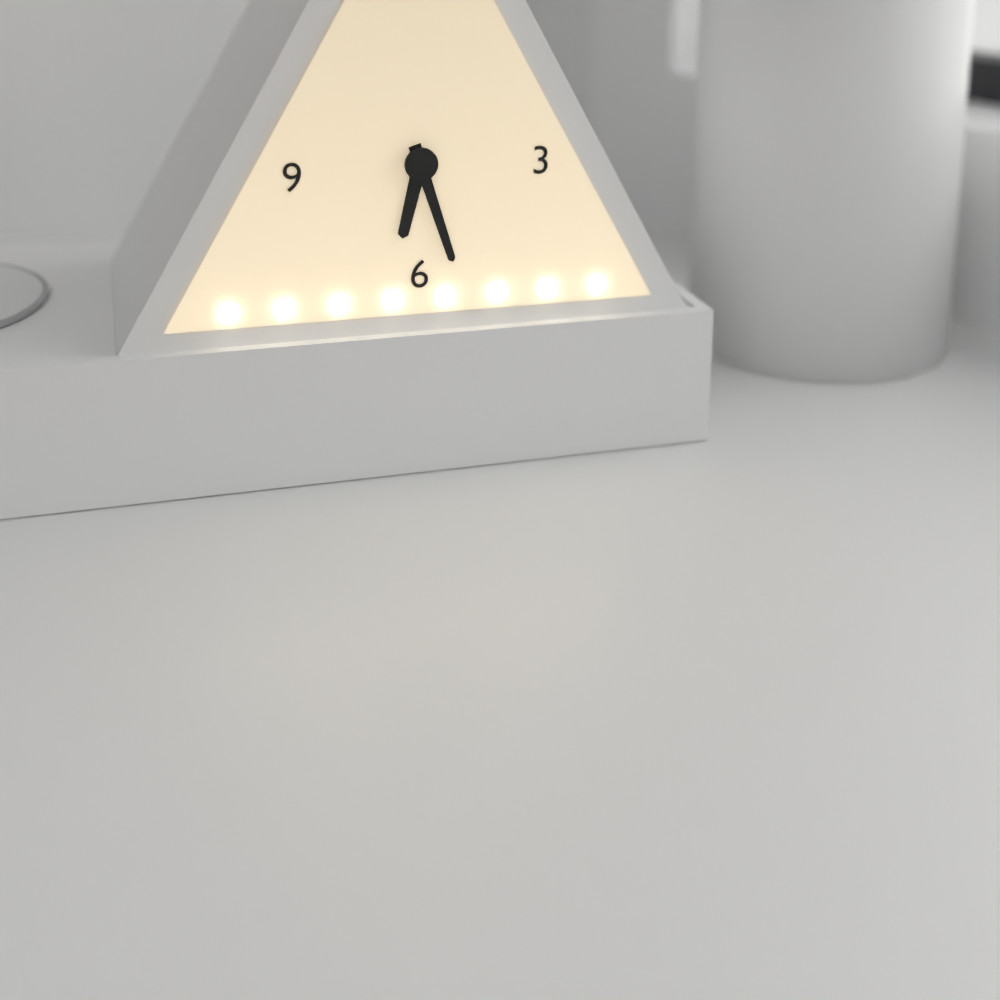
{"hour": 6, "minute": 27}
